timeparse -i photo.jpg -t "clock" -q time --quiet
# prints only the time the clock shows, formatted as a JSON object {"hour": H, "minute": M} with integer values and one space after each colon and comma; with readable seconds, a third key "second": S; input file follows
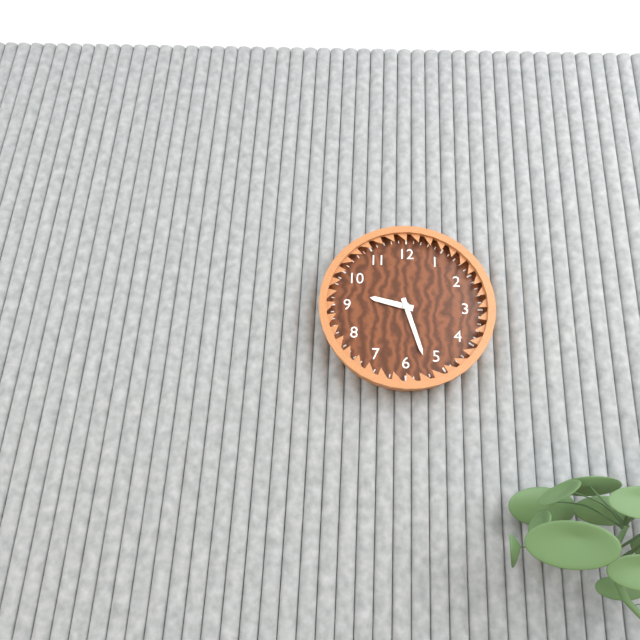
{"hour": 9, "minute": 27}
